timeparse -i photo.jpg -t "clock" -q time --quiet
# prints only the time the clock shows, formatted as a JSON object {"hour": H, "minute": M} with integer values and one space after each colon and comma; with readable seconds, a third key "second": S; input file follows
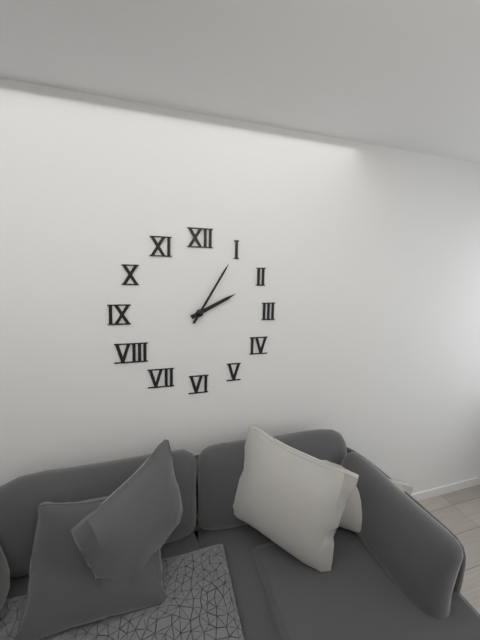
{"hour": 2, "minute": 5}
